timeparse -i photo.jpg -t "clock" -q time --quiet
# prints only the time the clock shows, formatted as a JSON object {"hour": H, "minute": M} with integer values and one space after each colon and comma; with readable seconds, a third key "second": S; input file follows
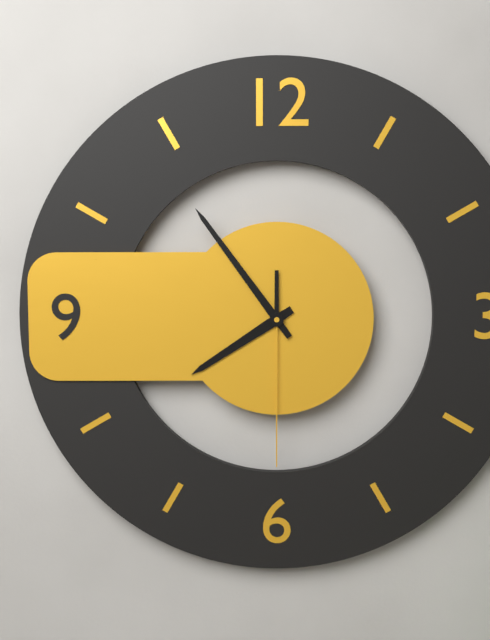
{"hour": 7, "minute": 54, "second": 30}
